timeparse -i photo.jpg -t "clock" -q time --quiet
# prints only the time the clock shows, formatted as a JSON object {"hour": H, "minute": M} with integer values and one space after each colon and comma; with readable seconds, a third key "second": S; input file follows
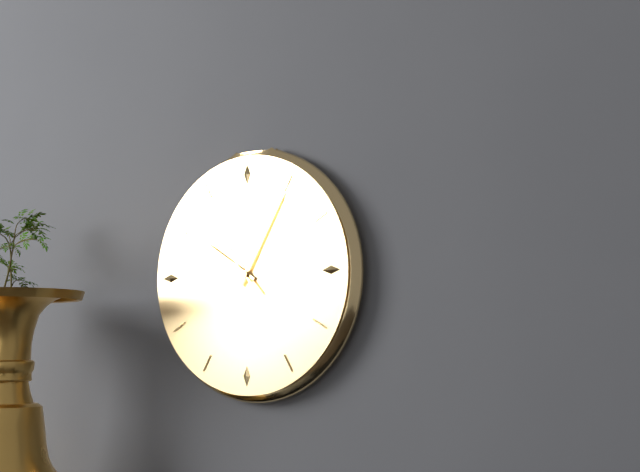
{"hour": 10, "minute": 5, "second": 53}
